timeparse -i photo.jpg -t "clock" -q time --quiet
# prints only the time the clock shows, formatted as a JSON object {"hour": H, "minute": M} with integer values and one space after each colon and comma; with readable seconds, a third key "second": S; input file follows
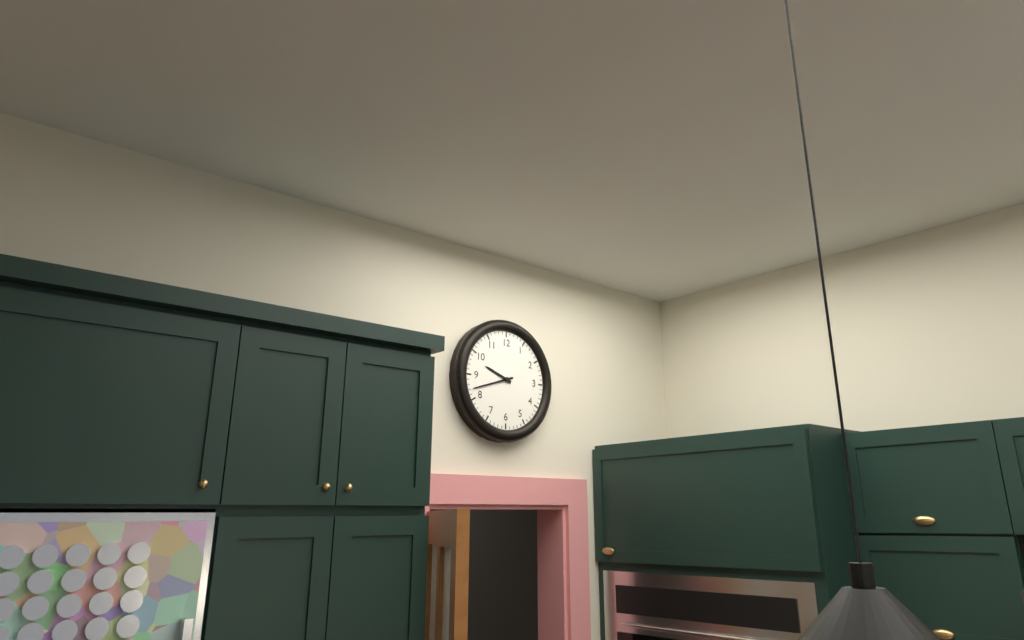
{"hour": 9, "minute": 42}
